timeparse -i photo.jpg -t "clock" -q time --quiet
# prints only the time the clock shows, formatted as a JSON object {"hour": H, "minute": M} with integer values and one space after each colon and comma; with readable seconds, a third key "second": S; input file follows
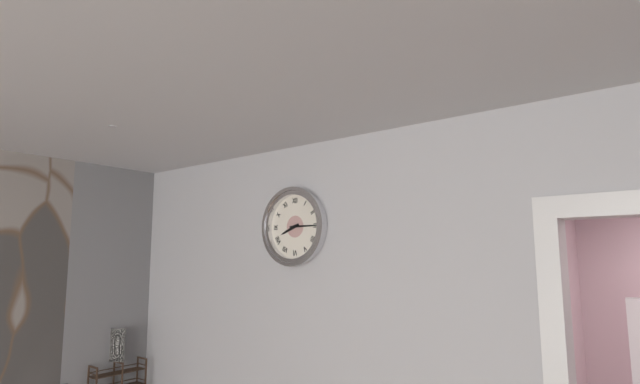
{"hour": 8, "minute": 15}
